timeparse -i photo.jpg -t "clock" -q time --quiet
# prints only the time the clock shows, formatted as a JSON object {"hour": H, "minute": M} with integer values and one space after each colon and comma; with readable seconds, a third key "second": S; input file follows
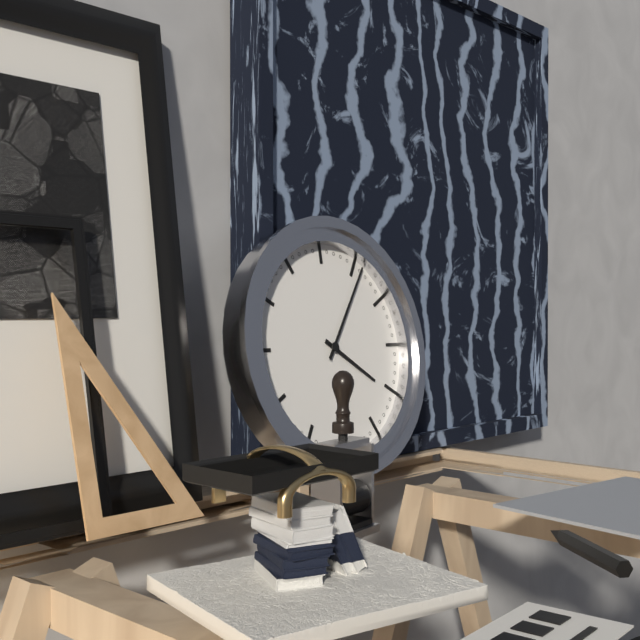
{"hour": 4, "minute": 6}
